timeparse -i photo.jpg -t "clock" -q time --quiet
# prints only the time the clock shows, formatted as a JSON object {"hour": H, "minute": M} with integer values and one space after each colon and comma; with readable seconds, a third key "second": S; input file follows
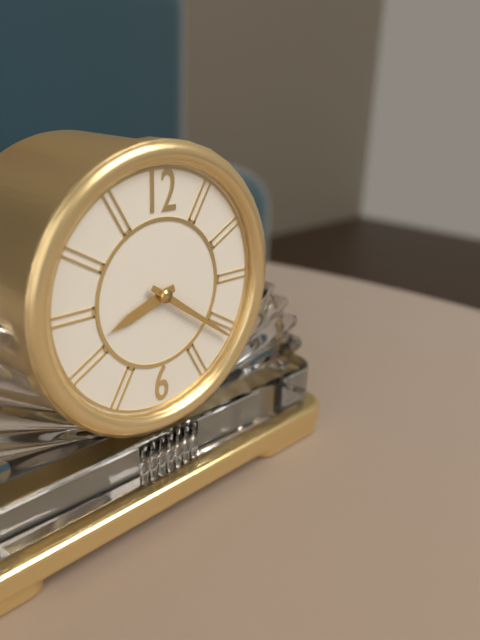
{"hour": 8, "minute": 21}
